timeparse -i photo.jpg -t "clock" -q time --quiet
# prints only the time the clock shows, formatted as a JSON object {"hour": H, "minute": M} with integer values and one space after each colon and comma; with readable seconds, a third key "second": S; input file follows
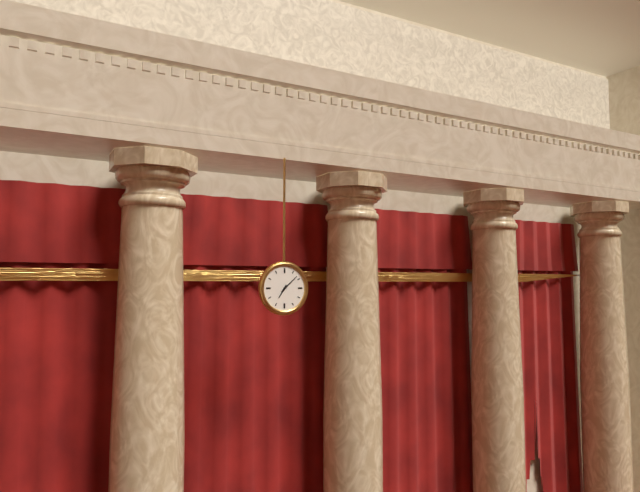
{"hour": 7, "minute": 8}
